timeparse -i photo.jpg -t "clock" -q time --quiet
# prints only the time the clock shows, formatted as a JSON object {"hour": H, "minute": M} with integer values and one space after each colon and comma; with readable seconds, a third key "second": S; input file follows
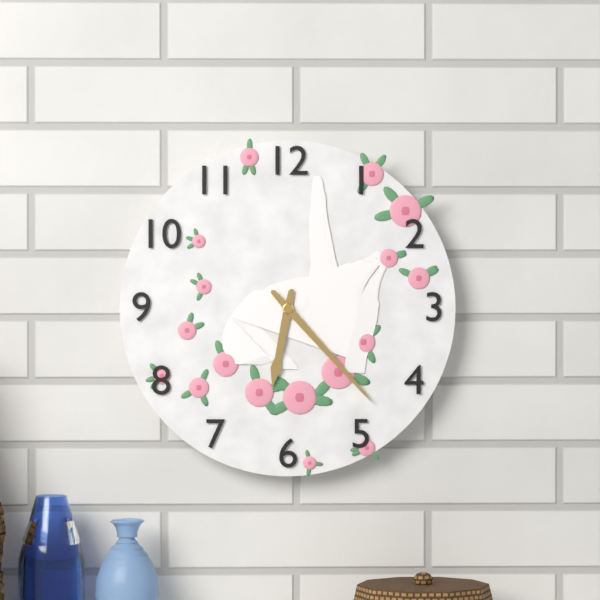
{"hour": 6, "minute": 23}
